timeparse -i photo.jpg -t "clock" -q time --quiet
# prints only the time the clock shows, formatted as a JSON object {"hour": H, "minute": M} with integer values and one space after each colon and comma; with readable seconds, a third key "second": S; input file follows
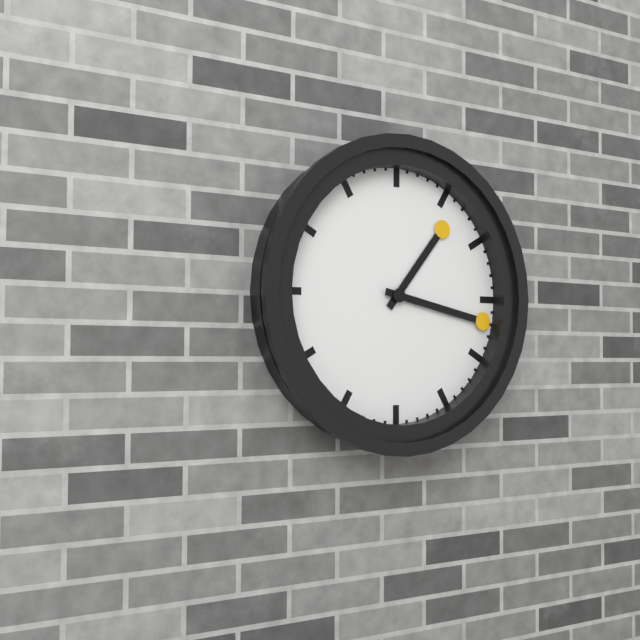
{"hour": 1, "minute": 17}
